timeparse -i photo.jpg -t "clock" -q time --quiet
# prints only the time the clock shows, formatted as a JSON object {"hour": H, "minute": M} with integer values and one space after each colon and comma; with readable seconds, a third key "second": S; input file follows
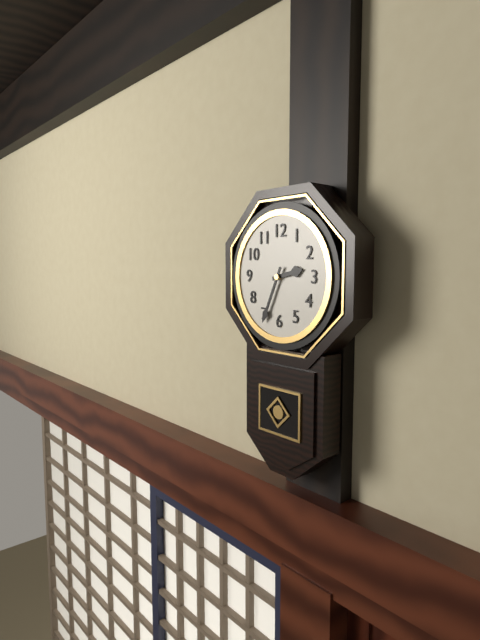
{"hour": 2, "minute": 34}
